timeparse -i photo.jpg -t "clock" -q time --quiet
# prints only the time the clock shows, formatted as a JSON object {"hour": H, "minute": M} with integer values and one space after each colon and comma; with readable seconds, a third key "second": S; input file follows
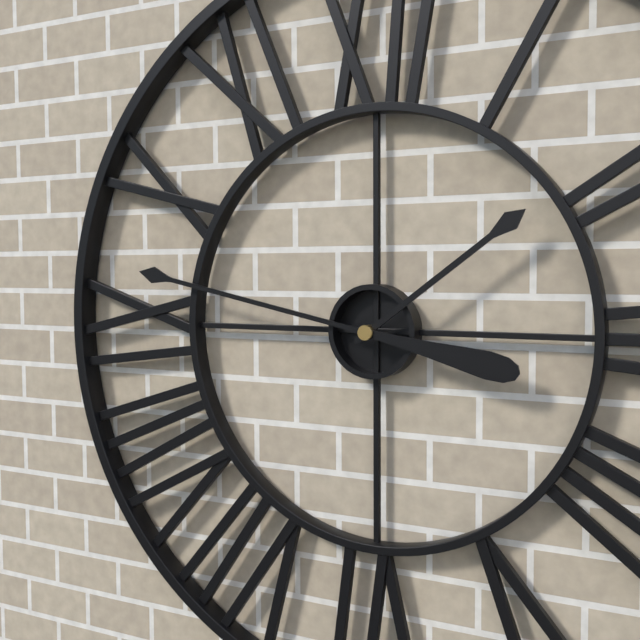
{"hour": 1, "minute": 47}
